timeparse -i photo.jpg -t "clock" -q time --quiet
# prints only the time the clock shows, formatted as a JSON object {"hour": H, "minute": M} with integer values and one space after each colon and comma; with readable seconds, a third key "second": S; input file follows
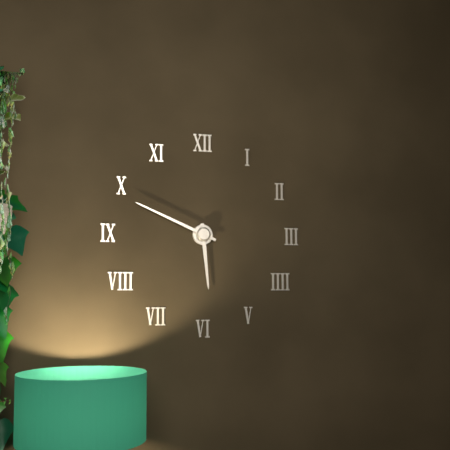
{"hour": 5, "minute": 49}
